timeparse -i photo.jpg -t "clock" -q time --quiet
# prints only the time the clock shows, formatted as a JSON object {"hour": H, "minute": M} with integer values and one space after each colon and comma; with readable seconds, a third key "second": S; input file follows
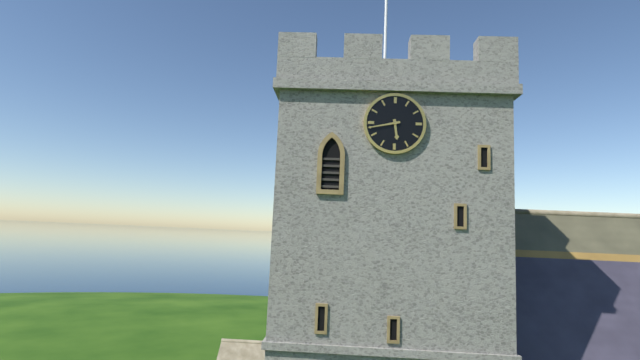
{"hour": 5, "minute": 43}
